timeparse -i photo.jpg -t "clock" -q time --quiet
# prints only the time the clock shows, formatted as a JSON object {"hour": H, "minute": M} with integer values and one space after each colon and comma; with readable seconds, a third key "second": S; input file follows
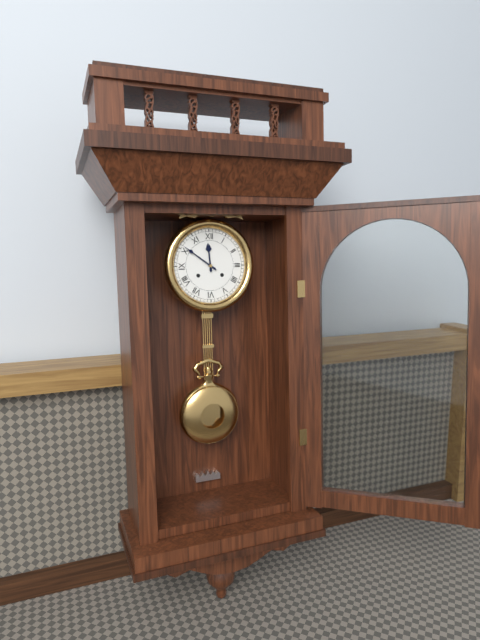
{"hour": 11, "minute": 51}
